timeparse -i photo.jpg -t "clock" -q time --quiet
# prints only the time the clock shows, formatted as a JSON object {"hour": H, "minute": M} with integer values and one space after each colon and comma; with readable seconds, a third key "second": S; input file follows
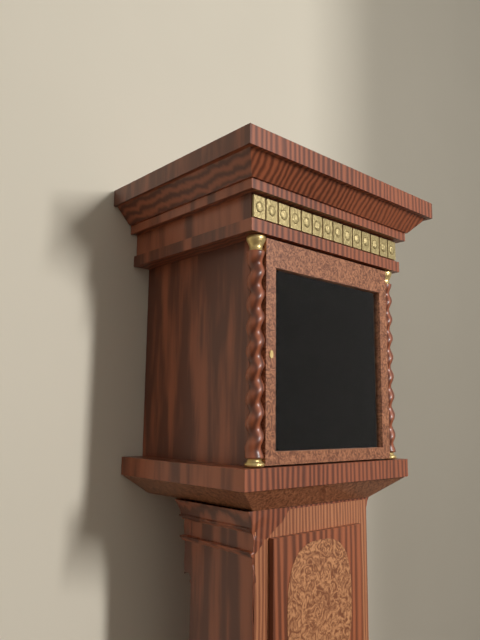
{"hour": 4, "minute": 31}
